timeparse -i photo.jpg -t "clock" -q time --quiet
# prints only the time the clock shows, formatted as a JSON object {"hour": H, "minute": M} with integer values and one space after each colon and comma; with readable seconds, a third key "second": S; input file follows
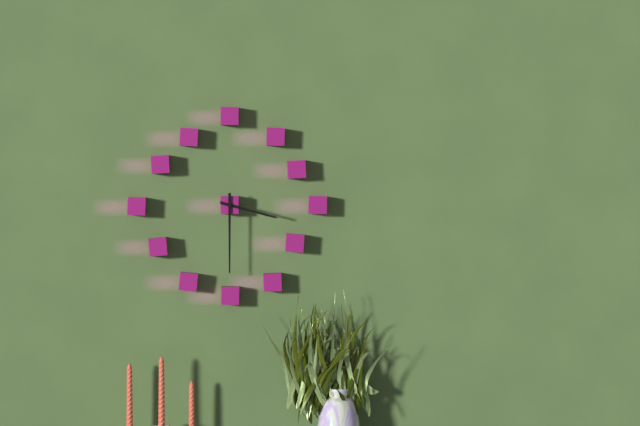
{"hour": 3, "minute": 30}
